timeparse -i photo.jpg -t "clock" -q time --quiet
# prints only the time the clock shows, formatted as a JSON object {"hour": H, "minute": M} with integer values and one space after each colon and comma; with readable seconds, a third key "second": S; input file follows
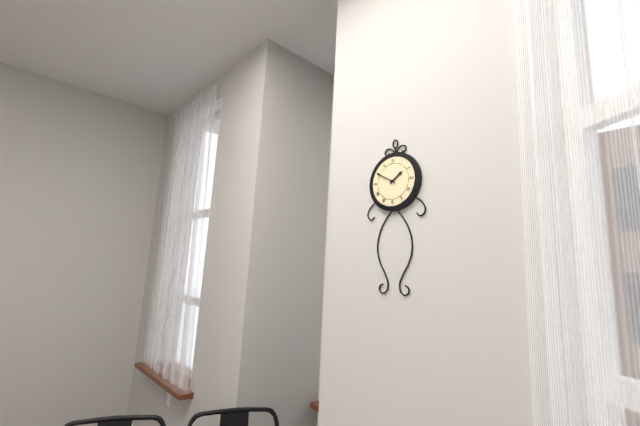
{"hour": 1, "minute": 50}
